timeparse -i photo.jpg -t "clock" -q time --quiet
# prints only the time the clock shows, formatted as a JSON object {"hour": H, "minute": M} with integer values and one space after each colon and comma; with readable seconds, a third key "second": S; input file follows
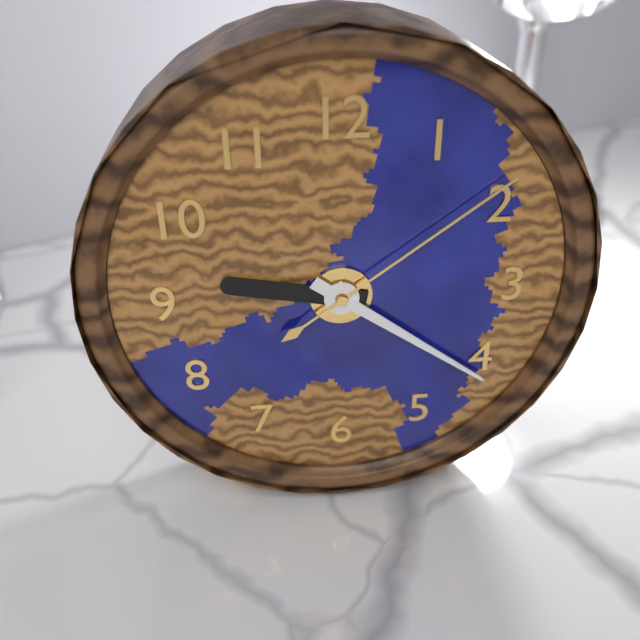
{"hour": 9, "minute": 21, "second": 9}
